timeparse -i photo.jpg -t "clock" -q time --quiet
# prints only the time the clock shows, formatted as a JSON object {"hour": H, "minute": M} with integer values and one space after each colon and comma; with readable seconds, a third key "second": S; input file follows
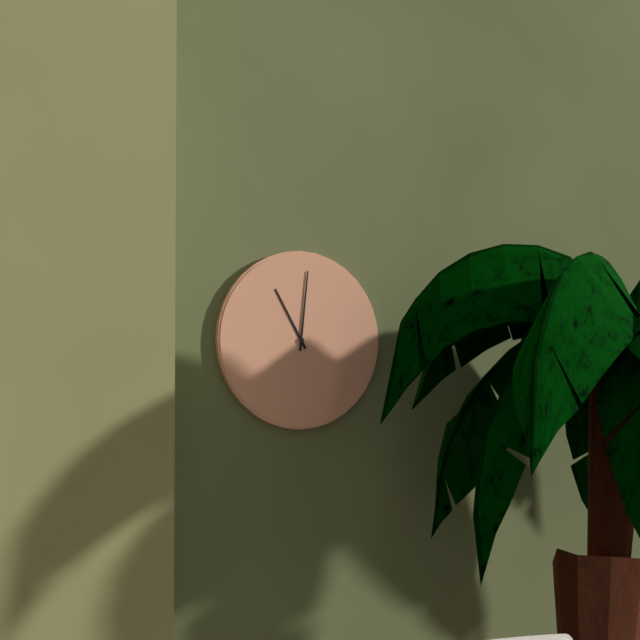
{"hour": 11, "minute": 1}
